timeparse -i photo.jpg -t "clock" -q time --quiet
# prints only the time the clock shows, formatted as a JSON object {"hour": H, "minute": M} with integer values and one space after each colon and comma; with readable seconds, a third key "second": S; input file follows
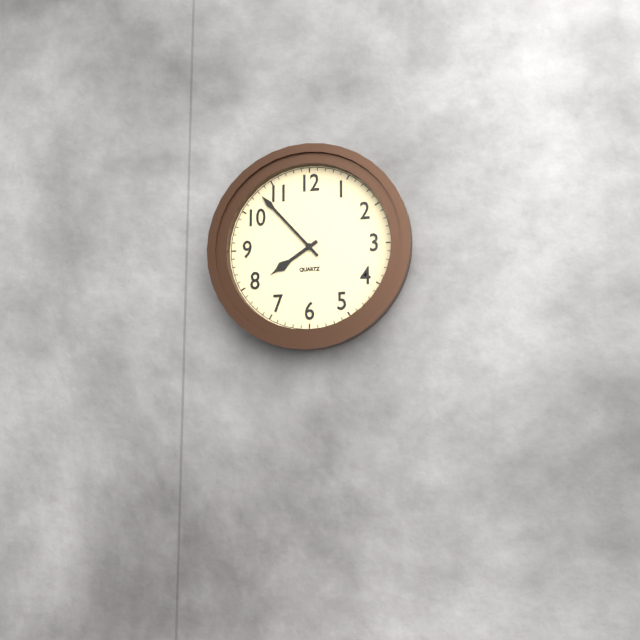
{"hour": 7, "minute": 53}
